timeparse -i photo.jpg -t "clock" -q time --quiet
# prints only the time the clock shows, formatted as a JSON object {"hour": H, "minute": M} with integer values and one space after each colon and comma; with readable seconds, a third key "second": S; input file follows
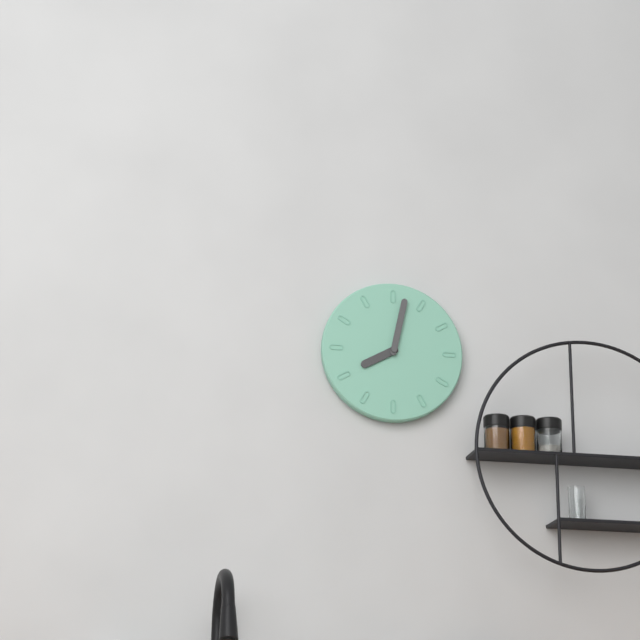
{"hour": 8, "minute": 2}
